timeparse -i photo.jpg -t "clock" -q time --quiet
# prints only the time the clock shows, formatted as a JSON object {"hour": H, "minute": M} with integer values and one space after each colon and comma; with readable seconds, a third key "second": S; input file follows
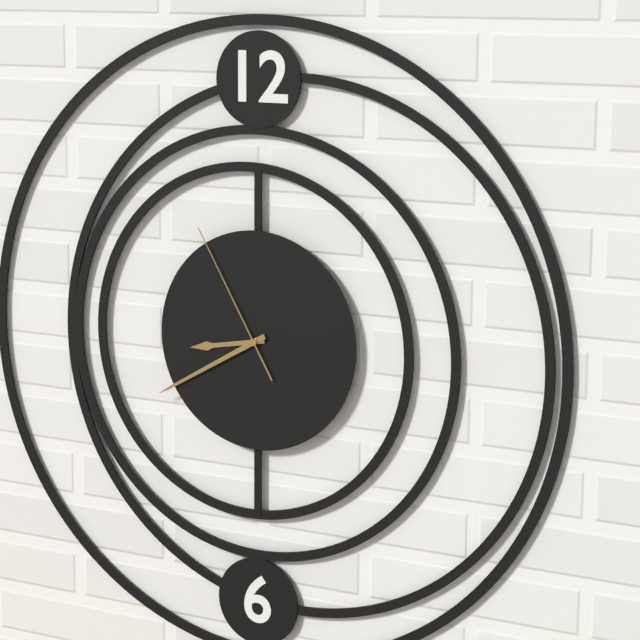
{"hour": 8, "minute": 40, "second": 55}
